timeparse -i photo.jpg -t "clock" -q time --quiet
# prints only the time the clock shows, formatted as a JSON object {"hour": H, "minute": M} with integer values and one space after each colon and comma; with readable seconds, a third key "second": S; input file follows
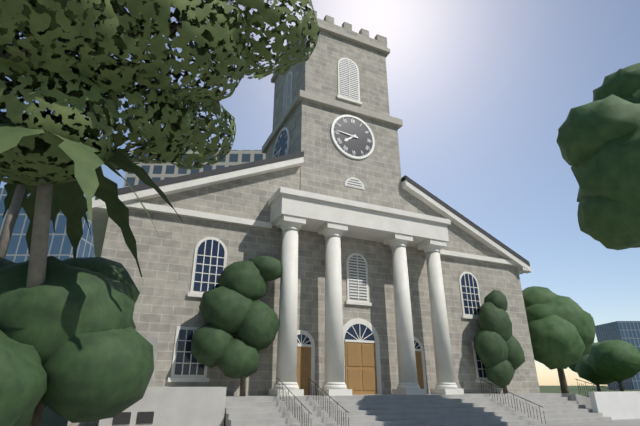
{"hour": 7, "minute": 46}
